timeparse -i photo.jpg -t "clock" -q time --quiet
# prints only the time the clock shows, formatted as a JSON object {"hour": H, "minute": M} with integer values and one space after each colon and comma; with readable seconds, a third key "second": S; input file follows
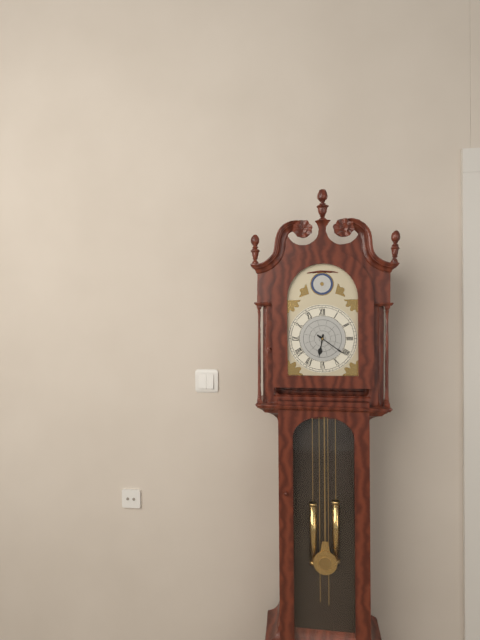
{"hour": 6, "minute": 21}
